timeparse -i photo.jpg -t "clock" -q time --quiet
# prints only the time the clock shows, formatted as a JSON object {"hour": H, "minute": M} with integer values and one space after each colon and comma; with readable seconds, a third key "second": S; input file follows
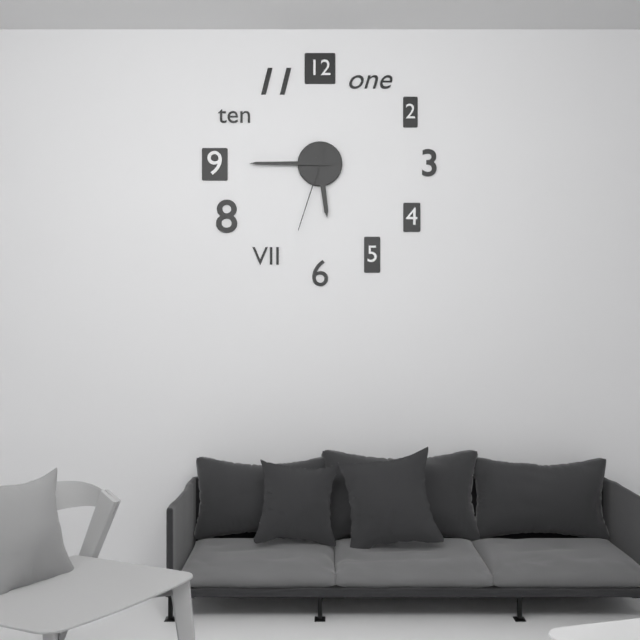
{"hour": 5, "minute": 45, "second": 33}
